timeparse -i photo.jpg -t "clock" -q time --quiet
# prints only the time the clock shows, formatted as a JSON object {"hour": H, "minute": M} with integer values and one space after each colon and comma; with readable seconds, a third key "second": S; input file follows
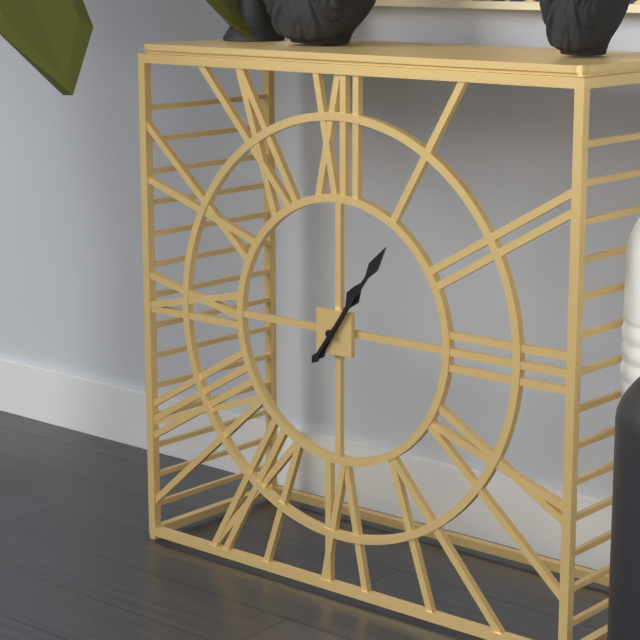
{"hour": 1, "minute": 6}
